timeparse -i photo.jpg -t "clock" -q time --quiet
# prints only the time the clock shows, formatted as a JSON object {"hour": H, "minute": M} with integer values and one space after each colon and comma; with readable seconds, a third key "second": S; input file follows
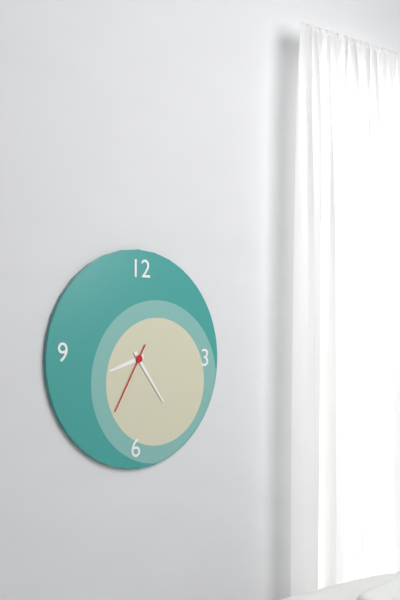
{"hour": 8, "minute": 24, "second": 35}
